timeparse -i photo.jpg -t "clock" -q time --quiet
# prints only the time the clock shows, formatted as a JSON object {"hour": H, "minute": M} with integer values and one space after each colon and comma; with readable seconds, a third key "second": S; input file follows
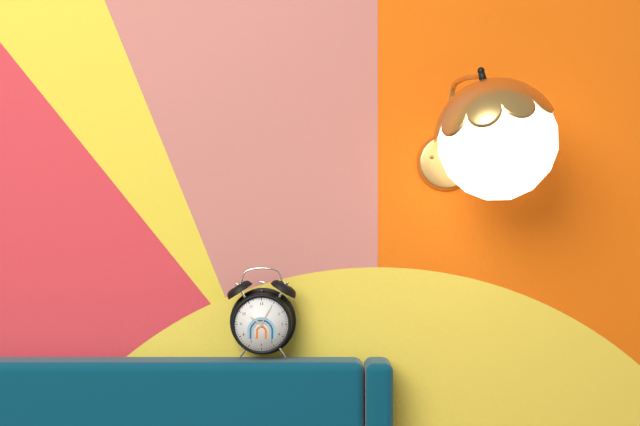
{"hour": 10, "minute": 5}
